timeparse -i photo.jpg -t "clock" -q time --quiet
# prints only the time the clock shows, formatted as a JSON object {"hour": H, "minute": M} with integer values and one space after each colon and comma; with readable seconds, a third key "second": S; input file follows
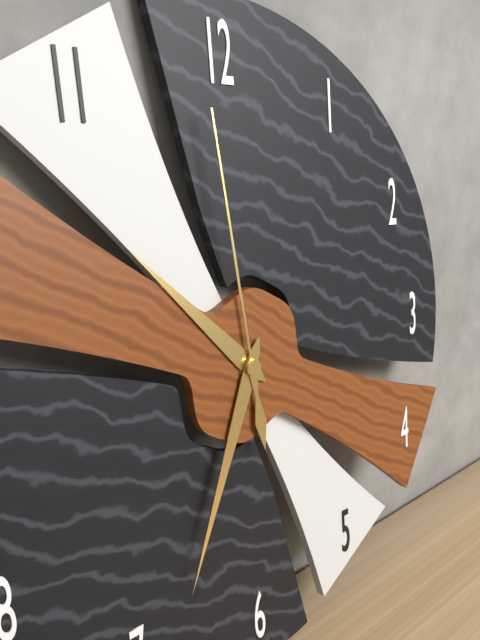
{"hour": 10, "minute": 34, "second": 59}
